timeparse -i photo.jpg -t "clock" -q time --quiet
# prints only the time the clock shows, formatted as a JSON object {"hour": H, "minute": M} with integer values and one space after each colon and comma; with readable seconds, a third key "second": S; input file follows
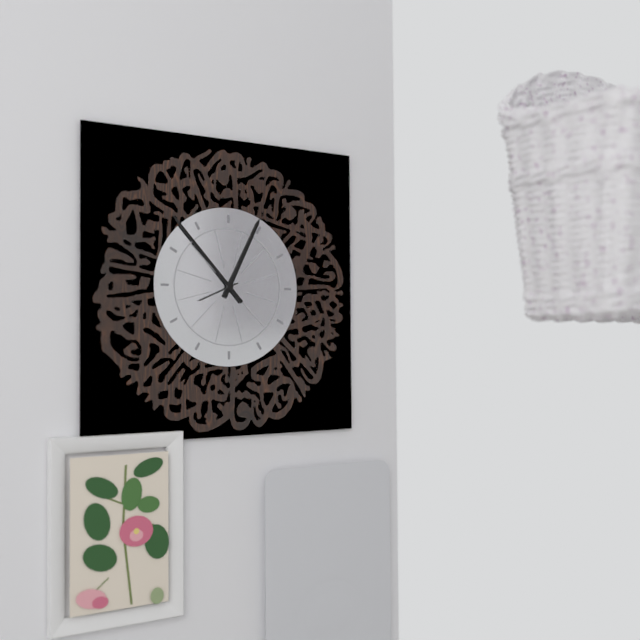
{"hour": 12, "minute": 53}
